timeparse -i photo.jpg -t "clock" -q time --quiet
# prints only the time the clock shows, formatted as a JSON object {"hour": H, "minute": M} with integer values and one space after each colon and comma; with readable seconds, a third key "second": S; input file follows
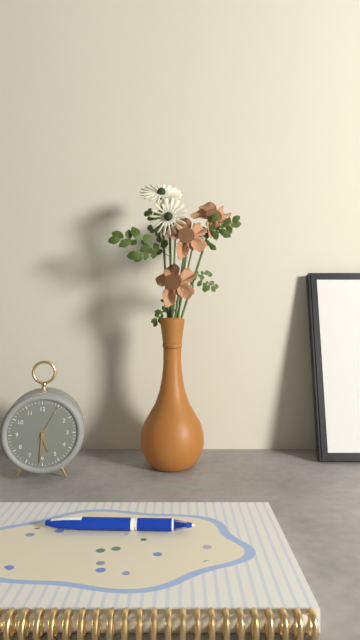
{"hour": 5, "minute": 31}
